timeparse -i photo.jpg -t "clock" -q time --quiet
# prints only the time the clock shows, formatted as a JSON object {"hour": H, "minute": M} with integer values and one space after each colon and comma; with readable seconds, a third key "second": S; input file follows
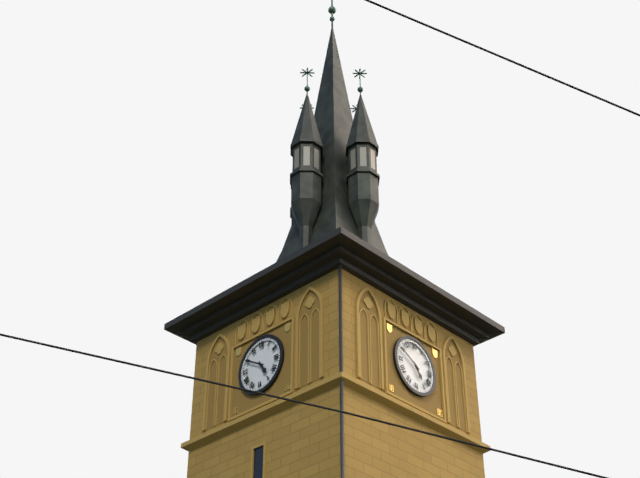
{"hour": 4, "minute": 50}
